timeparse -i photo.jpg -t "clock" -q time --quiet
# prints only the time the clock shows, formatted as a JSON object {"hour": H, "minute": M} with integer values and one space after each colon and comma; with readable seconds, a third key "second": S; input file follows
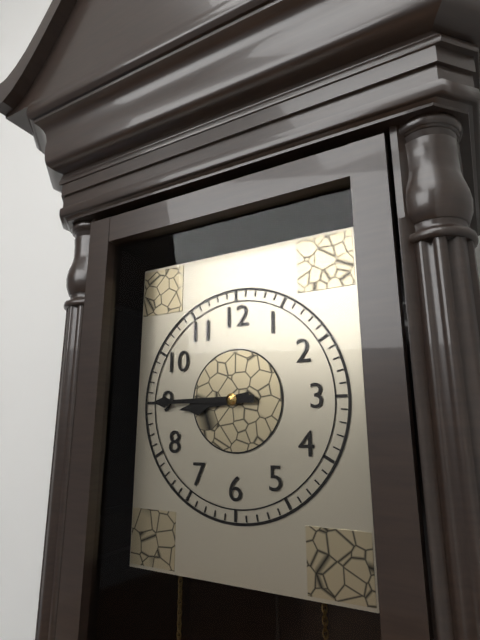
{"hour": 8, "minute": 45}
